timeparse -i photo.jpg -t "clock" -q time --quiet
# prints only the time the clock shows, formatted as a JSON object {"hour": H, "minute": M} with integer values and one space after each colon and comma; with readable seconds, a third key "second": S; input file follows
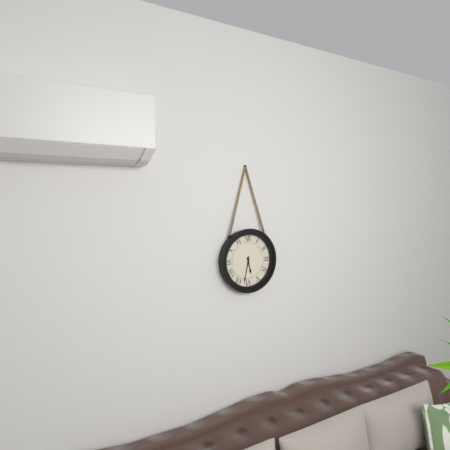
{"hour": 5, "minute": 32}
